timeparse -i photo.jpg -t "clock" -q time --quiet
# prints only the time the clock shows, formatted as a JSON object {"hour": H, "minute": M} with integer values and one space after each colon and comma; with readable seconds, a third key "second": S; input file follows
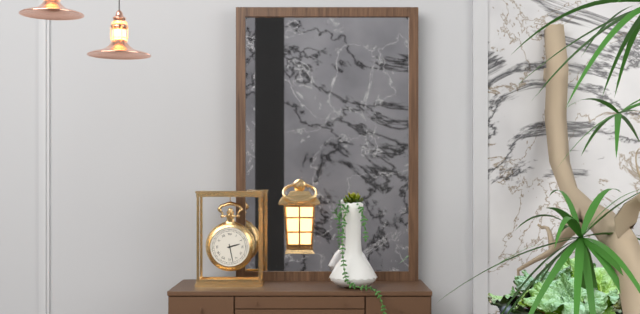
{"hour": 2, "minute": 28}
